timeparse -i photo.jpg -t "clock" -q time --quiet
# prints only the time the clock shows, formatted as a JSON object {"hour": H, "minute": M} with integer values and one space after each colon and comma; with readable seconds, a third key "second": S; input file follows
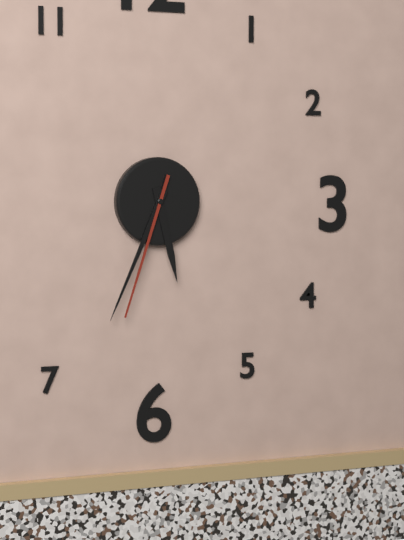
{"hour": 5, "minute": 34, "second": 33}
